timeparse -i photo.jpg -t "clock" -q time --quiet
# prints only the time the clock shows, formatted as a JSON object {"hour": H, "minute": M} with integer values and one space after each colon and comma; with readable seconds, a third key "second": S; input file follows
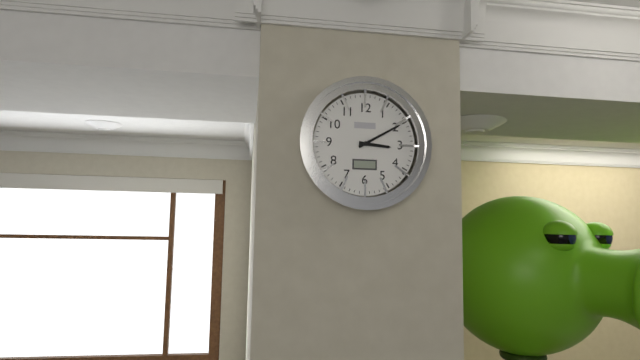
{"hour": 3, "minute": 10}
